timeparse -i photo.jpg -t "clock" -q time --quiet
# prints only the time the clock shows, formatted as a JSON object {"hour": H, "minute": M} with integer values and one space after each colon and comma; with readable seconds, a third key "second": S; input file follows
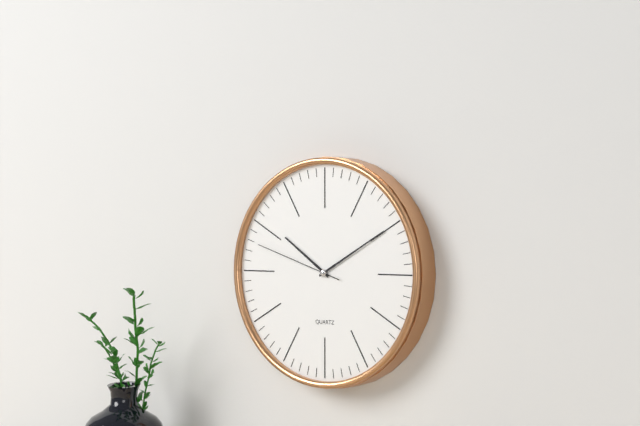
{"hour": 10, "minute": 10, "second": 48}
